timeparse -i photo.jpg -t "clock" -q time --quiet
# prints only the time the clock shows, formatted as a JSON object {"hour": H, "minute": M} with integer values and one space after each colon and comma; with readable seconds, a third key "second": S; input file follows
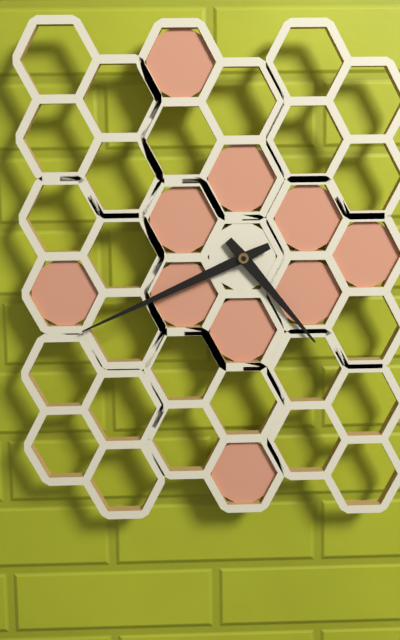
{"hour": 4, "minute": 41}
